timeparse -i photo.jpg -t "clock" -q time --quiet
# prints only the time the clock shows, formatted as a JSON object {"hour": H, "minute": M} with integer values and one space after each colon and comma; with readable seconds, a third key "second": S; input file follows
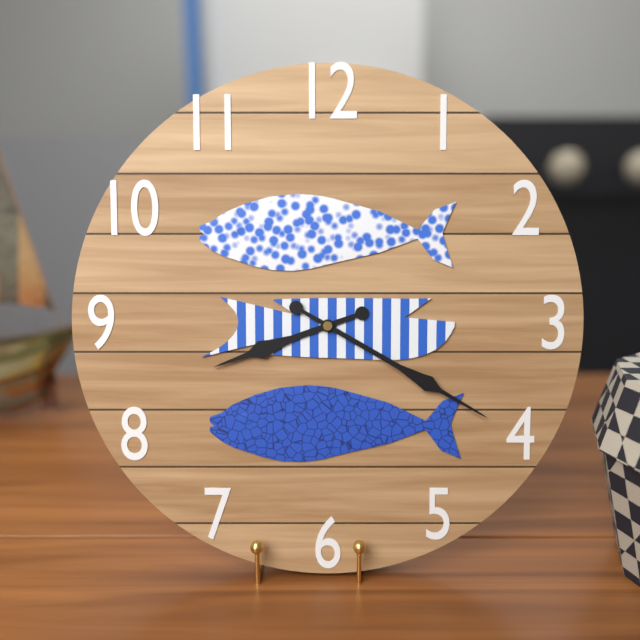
{"hour": 8, "minute": 20}
